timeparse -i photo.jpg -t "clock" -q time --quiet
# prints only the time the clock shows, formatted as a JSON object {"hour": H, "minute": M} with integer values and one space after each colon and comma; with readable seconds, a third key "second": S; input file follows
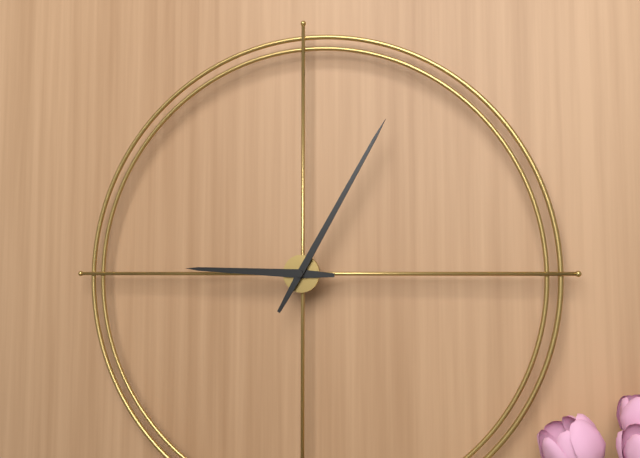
{"hour": 9, "minute": 5}
